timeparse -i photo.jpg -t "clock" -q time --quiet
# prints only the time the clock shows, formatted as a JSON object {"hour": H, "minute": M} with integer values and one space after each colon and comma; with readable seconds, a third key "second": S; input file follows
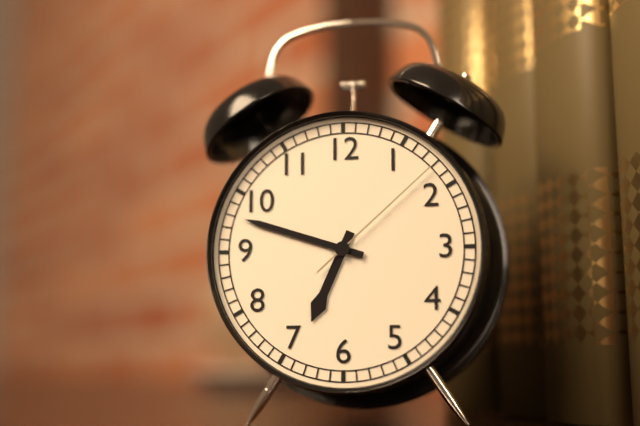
{"hour": 6, "minute": 48, "second": 8}
